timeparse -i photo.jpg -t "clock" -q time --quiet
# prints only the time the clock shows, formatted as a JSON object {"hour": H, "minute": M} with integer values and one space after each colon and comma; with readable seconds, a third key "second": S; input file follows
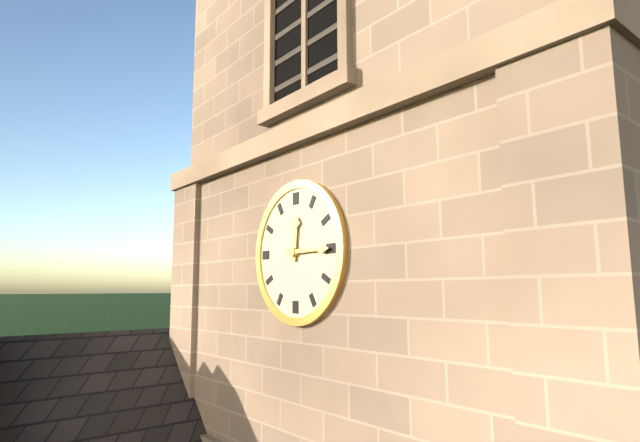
{"hour": 12, "minute": 15}
